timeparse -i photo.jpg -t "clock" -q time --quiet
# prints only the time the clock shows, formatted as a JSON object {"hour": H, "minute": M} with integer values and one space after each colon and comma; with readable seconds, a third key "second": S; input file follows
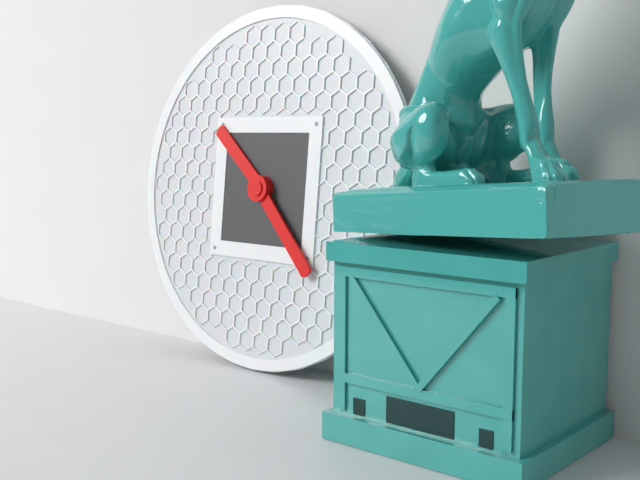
{"hour": 10, "minute": 23}
